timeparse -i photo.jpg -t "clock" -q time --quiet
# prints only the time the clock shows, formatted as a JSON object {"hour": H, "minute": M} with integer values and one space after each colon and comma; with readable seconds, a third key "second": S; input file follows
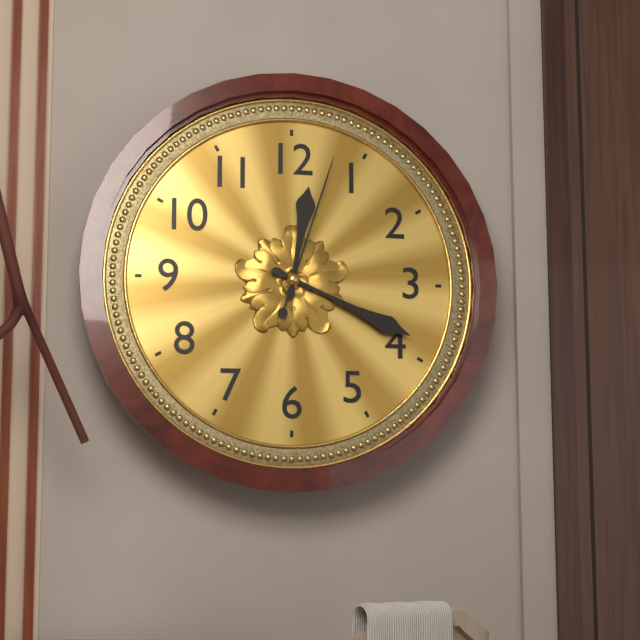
{"hour": 12, "minute": 19, "second": 3}
